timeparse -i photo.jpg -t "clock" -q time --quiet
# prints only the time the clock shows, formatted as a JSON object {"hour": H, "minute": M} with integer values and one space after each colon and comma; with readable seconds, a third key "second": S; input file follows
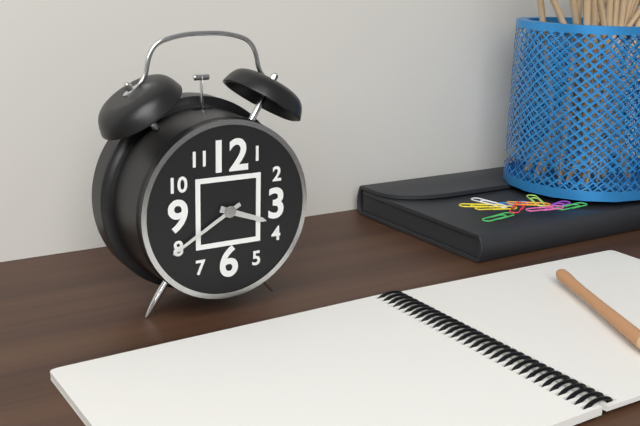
{"hour": 3, "minute": 40}
